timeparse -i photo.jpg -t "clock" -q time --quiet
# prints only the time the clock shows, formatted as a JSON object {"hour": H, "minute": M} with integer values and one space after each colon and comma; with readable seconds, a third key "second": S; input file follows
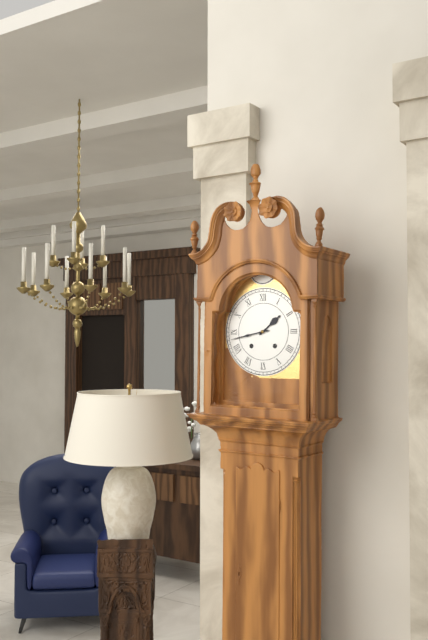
{"hour": 1, "minute": 43}
